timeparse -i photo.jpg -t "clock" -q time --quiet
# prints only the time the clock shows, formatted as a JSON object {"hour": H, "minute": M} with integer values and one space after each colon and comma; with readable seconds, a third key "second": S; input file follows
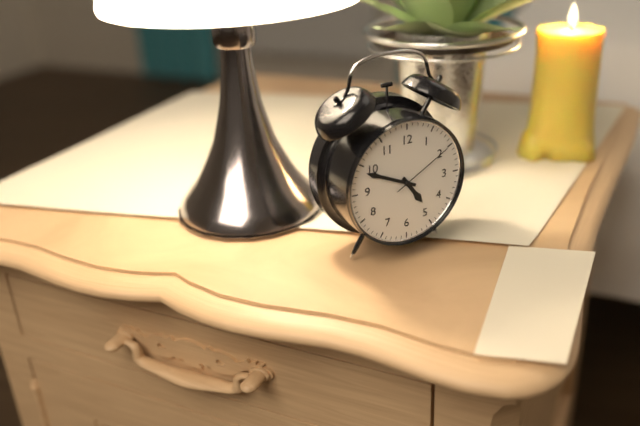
{"hour": 4, "minute": 49, "second": 10}
